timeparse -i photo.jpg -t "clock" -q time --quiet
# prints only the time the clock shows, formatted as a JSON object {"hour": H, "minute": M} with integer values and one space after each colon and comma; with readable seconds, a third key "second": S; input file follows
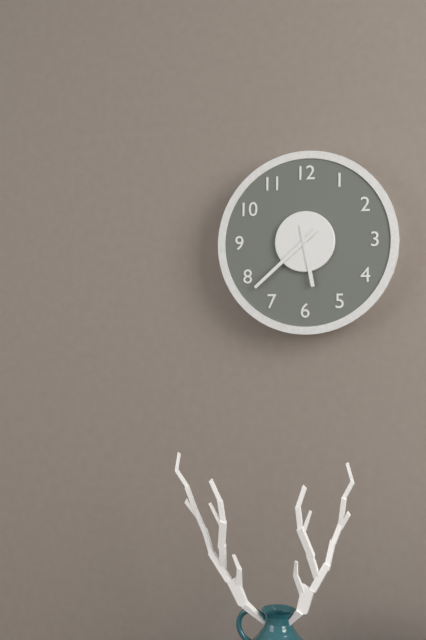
{"hour": 5, "minute": 38}
